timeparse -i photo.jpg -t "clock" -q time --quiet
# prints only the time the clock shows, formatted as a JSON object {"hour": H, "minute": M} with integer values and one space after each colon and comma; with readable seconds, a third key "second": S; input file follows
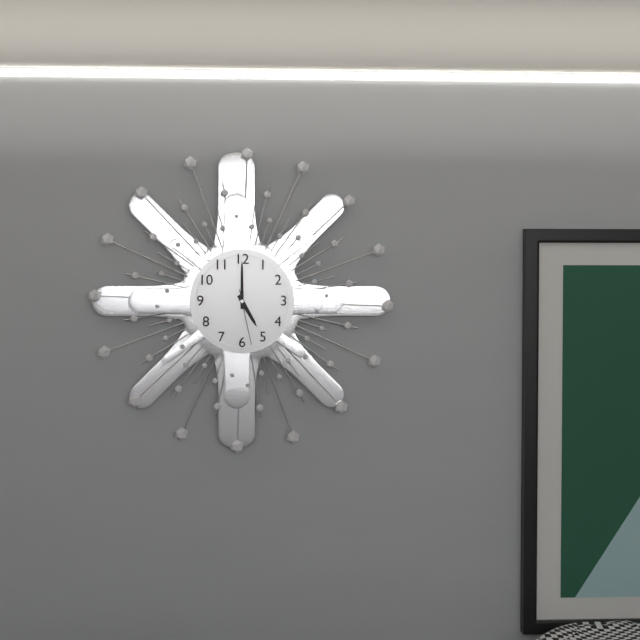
{"hour": 5, "minute": 0, "second": 28}
